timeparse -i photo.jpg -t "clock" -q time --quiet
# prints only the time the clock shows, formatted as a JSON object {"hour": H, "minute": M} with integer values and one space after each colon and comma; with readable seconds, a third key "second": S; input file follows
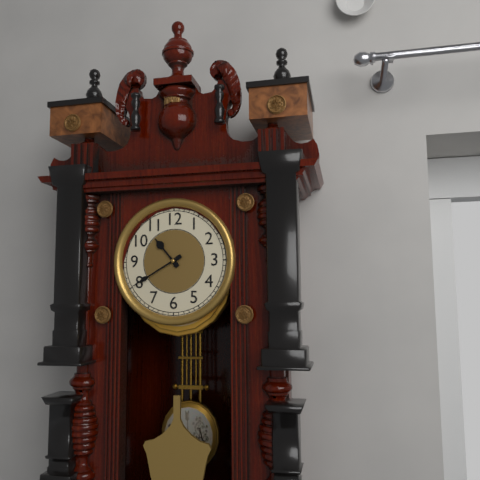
{"hour": 10, "minute": 40}
